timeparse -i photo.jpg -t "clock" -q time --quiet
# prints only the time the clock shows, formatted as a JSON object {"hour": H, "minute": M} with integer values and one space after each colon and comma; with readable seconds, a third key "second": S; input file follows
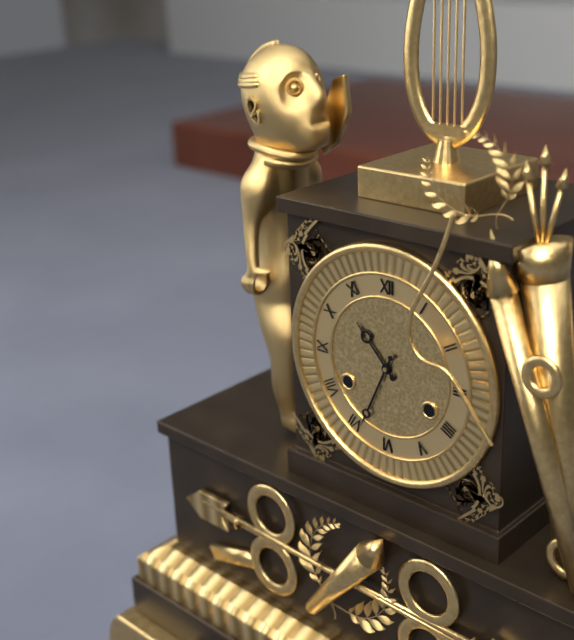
{"hour": 10, "minute": 34}
